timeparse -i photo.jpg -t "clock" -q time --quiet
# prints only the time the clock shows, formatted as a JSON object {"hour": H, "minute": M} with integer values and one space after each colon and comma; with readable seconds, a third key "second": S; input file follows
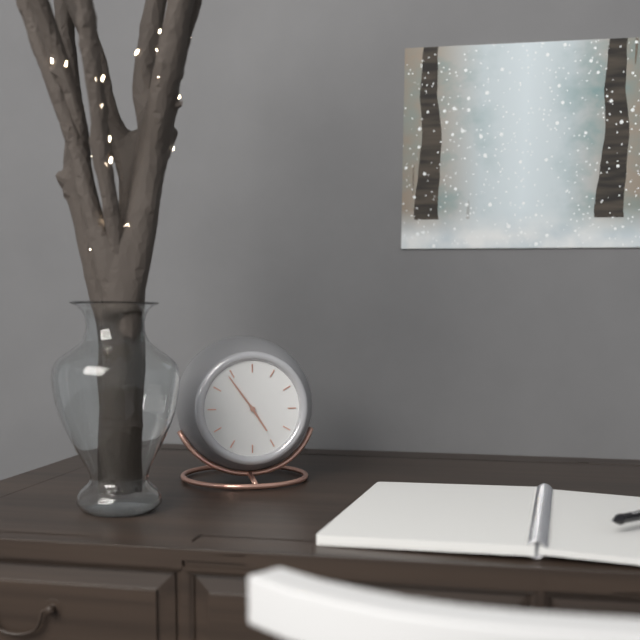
{"hour": 4, "minute": 54, "second": 54}
